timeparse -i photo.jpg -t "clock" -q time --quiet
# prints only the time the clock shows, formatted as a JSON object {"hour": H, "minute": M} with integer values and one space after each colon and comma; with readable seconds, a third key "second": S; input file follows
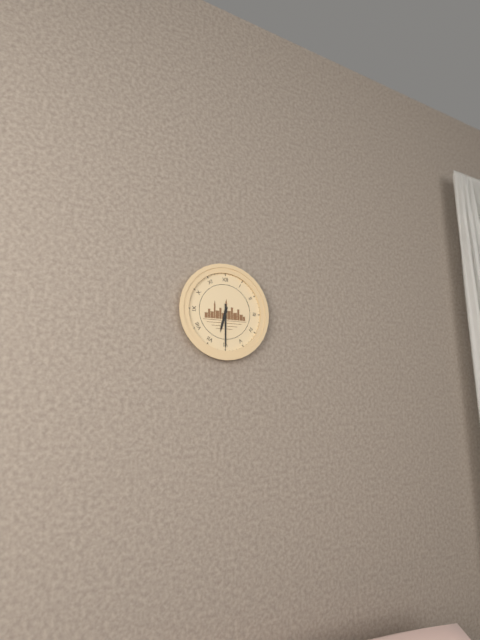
{"hour": 6, "minute": 30}
